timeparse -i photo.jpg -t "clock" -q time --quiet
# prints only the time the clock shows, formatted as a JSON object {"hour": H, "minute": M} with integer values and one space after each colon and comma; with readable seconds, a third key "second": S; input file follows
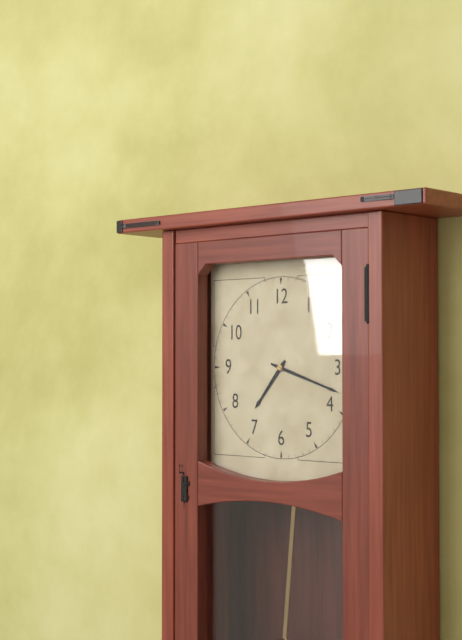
{"hour": 7, "minute": 18}
